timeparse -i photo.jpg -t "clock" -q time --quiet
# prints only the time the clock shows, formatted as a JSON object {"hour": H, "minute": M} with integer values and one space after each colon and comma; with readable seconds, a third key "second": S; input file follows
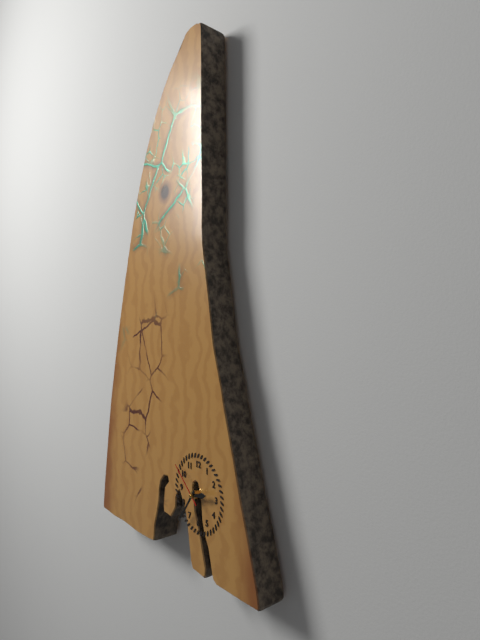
{"hour": 2, "minute": 36}
